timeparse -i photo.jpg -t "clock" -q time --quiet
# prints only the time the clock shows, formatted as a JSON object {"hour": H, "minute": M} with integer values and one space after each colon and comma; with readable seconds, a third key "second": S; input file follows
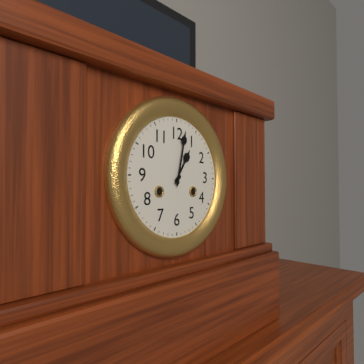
{"hour": 1, "minute": 2}
